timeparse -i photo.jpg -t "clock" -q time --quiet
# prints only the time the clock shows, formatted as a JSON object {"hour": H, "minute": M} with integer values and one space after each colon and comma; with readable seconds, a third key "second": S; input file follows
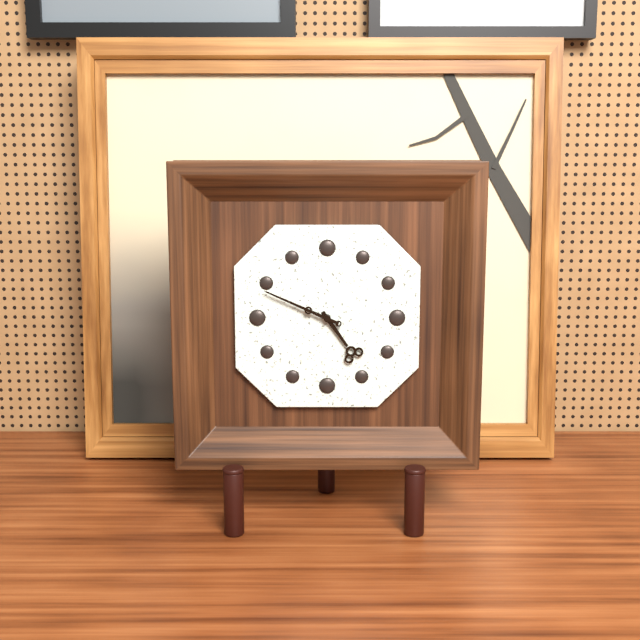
{"hour": 4, "minute": 49}
